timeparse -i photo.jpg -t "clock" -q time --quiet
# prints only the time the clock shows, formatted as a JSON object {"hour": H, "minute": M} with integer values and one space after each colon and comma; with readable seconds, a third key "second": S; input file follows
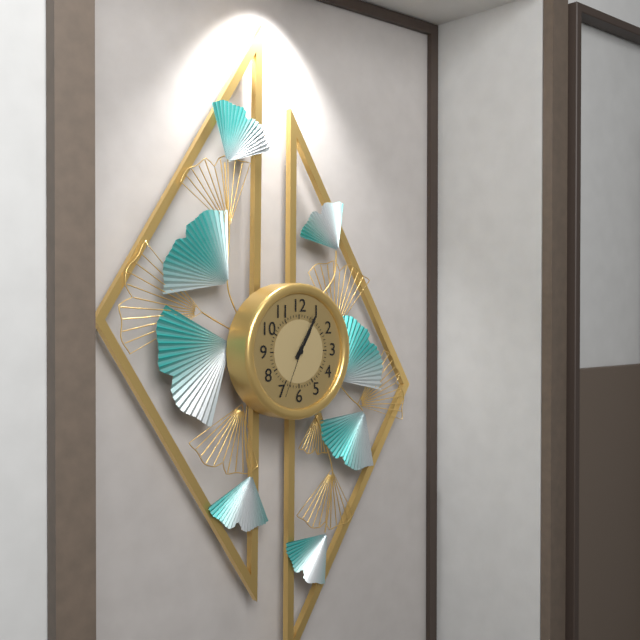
{"hour": 1, "minute": 5, "second": 34}
